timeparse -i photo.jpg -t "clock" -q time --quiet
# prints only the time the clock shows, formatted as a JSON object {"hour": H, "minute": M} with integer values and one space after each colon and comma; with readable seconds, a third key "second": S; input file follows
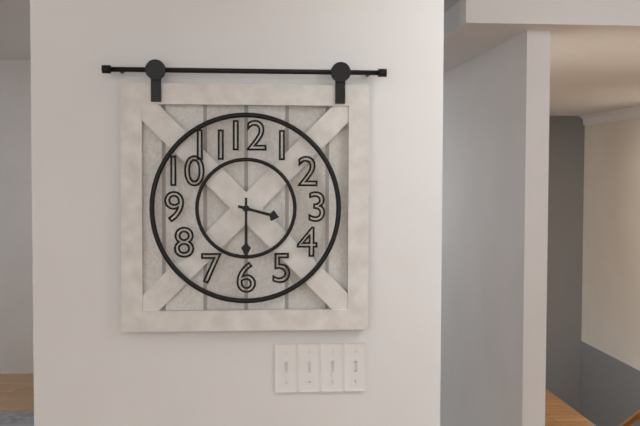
{"hour": 3, "minute": 30}
